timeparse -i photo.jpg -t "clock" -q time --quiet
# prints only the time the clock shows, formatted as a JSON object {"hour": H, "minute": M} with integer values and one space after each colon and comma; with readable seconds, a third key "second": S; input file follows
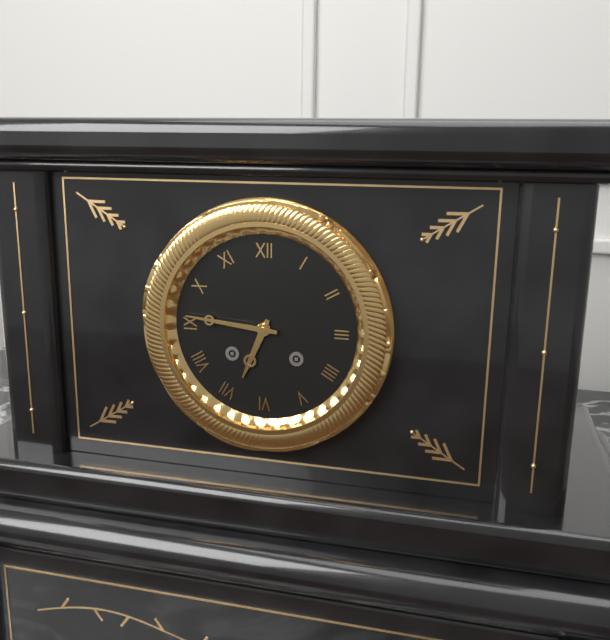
{"hour": 6, "minute": 46}
